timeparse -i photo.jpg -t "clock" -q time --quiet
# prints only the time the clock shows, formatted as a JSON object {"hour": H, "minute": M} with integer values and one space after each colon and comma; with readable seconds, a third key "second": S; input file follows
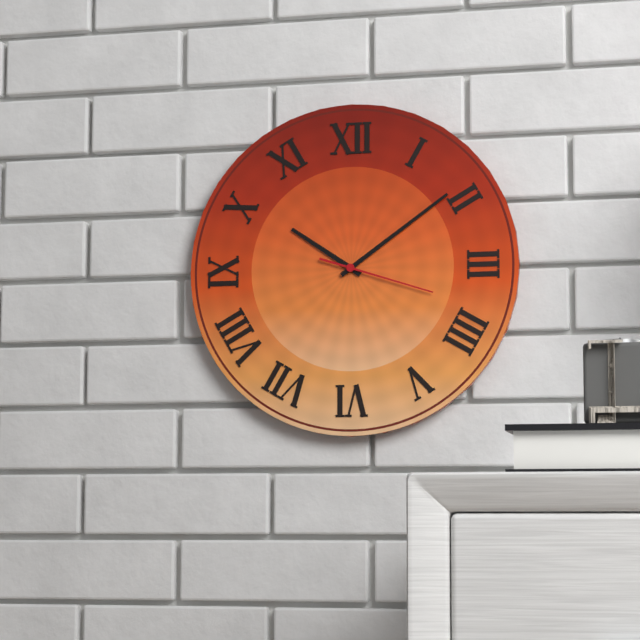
{"hour": 10, "minute": 9, "second": 18}
